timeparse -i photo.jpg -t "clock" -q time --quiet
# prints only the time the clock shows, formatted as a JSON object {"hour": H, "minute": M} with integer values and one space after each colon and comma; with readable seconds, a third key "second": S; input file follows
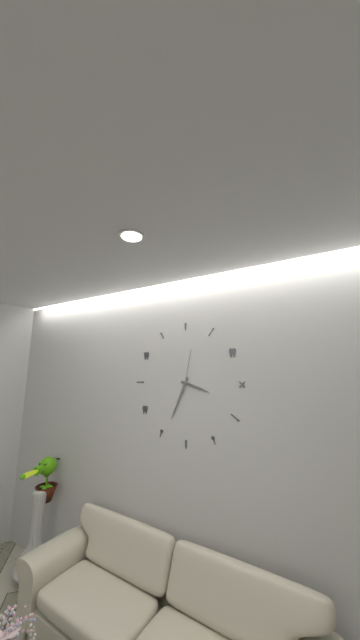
{"hour": 3, "minute": 34}
